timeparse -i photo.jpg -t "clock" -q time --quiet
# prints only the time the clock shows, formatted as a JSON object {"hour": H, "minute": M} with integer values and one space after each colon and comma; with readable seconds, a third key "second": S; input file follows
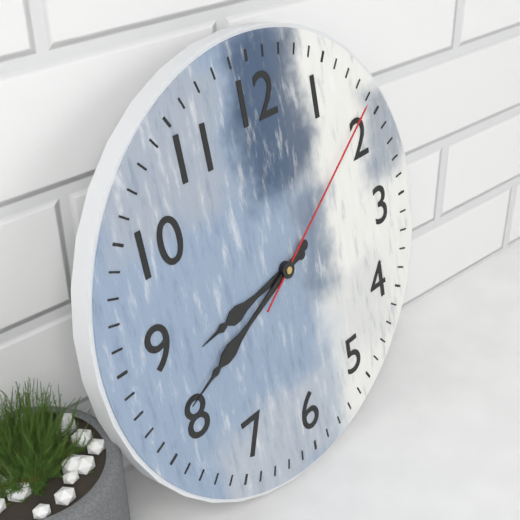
{"hour": 8, "minute": 41, "second": 9}
